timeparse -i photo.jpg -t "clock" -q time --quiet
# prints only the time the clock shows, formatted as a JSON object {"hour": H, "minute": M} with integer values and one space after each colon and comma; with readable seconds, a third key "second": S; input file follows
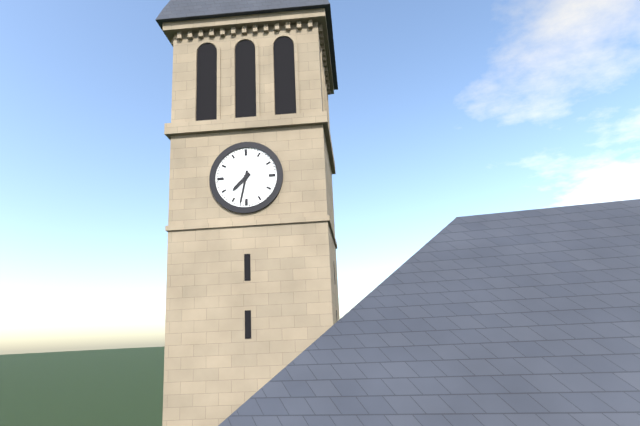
{"hour": 7, "minute": 32}
